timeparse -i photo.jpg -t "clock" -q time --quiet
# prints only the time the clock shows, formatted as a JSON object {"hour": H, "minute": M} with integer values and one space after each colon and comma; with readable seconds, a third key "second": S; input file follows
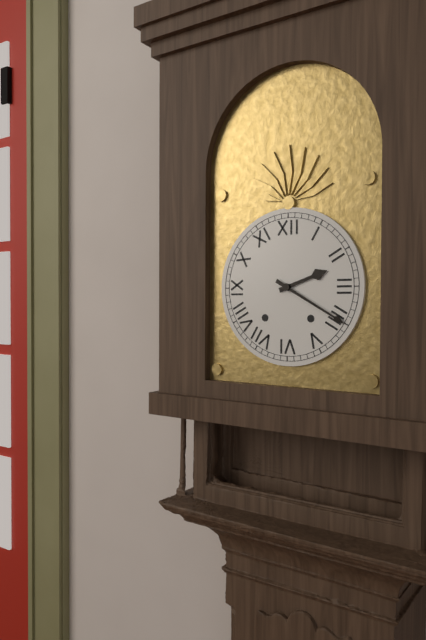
{"hour": 2, "minute": 20}
